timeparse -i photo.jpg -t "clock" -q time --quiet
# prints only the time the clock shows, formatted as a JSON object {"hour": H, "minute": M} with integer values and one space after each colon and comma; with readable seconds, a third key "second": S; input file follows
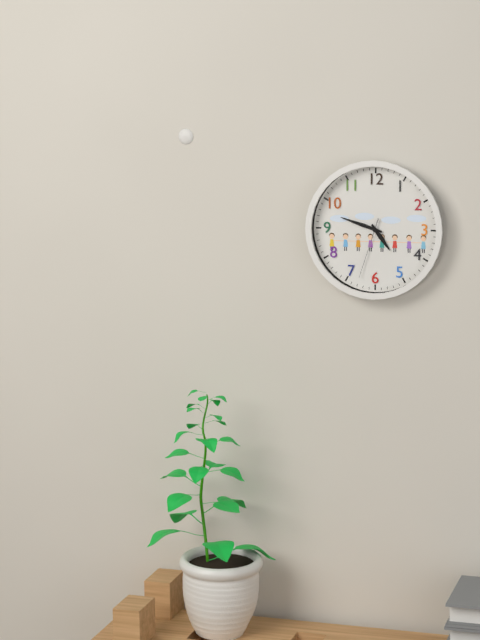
{"hour": 4, "minute": 48, "second": 33}
